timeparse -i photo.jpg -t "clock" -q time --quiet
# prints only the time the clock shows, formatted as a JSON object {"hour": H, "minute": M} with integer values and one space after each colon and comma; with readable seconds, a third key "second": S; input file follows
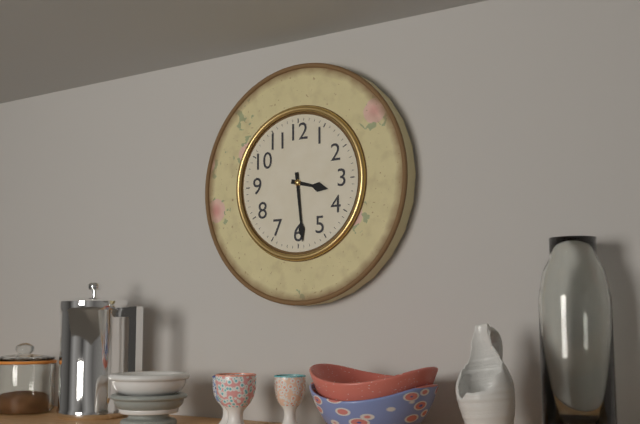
{"hour": 3, "minute": 29}
